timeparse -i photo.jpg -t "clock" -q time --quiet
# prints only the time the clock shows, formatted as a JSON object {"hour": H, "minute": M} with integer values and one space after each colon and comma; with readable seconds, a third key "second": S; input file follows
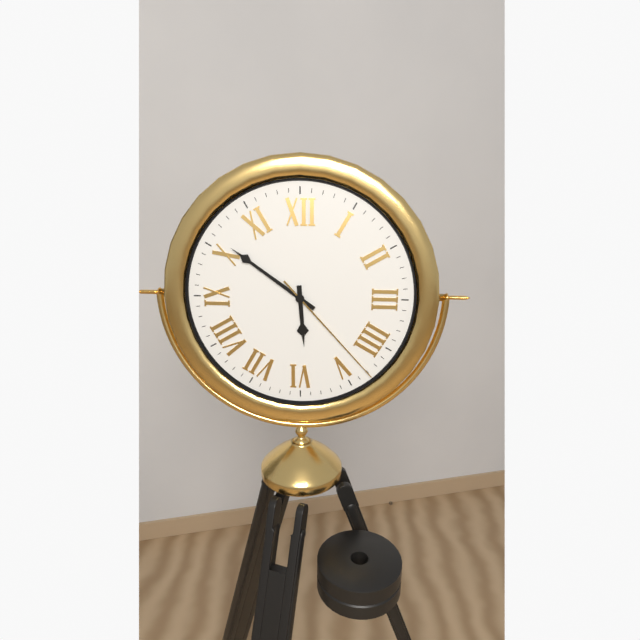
{"hour": 5, "minute": 51, "second": 23}
